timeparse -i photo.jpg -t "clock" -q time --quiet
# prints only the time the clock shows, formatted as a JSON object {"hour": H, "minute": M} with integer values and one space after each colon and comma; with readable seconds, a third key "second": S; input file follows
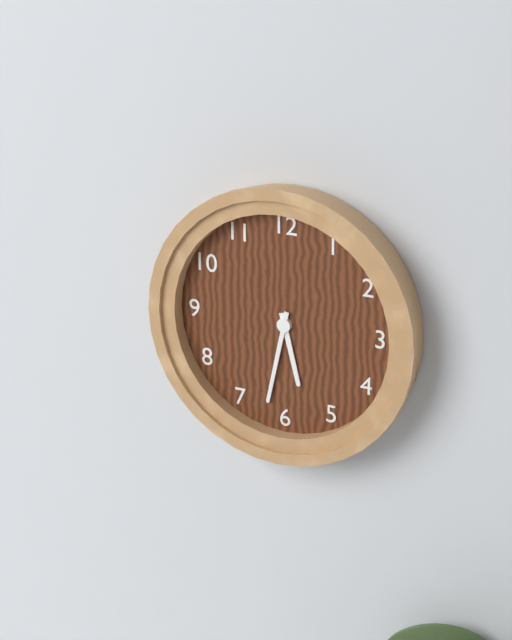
{"hour": 5, "minute": 32}
